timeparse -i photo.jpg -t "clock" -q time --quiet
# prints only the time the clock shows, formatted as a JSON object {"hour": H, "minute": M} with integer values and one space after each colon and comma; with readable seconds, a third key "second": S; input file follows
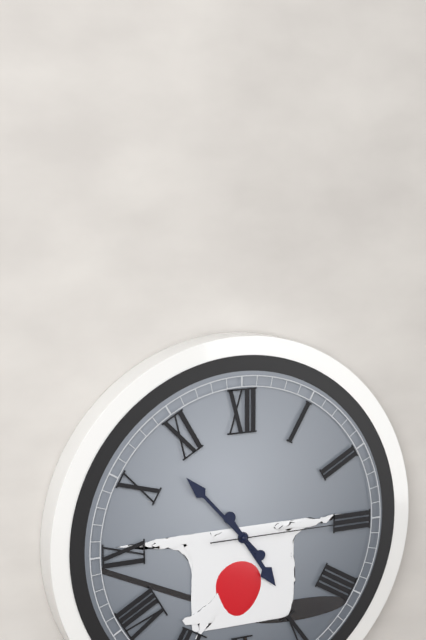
{"hour": 4, "minute": 53, "second": 15}
